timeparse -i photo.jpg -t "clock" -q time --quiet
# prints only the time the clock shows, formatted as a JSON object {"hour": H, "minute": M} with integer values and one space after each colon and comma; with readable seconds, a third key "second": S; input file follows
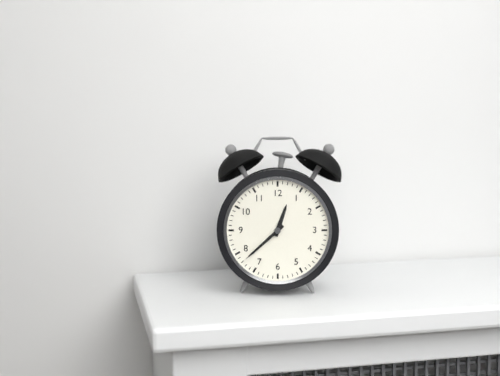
{"hour": 12, "minute": 38}
